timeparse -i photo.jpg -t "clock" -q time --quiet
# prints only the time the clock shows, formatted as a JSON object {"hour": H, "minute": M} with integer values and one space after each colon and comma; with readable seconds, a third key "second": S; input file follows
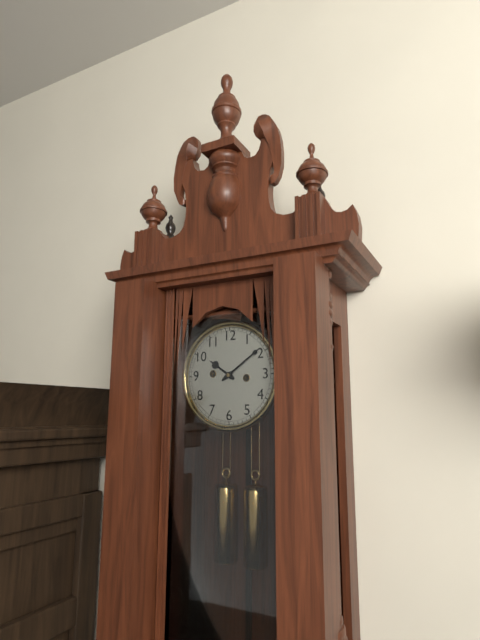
{"hour": 10, "minute": 9}
